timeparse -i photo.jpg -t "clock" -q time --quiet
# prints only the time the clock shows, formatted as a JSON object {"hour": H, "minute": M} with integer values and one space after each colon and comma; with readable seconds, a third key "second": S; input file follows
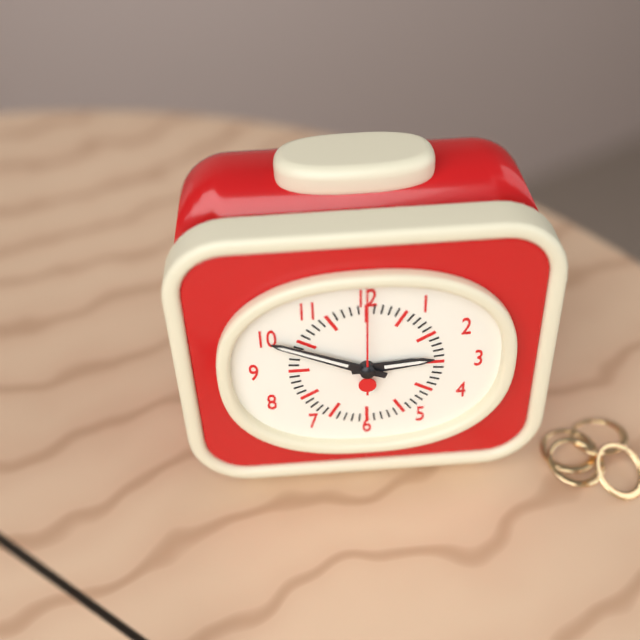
{"hour": 2, "minute": 49, "second": 0}
